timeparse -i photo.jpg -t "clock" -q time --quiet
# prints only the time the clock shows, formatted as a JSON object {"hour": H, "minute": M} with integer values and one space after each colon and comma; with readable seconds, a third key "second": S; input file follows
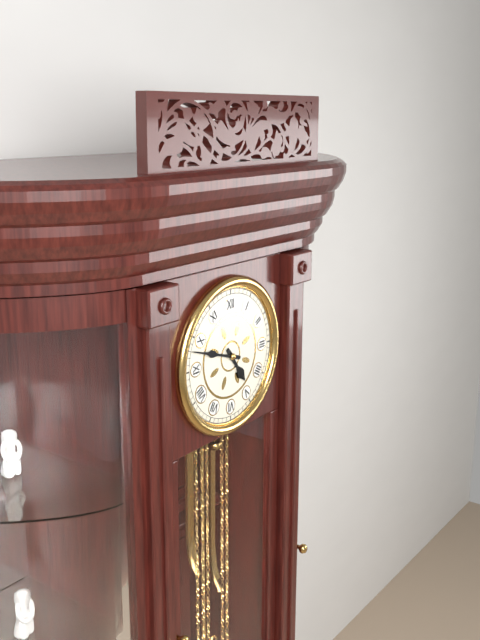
{"hour": 4, "minute": 48}
